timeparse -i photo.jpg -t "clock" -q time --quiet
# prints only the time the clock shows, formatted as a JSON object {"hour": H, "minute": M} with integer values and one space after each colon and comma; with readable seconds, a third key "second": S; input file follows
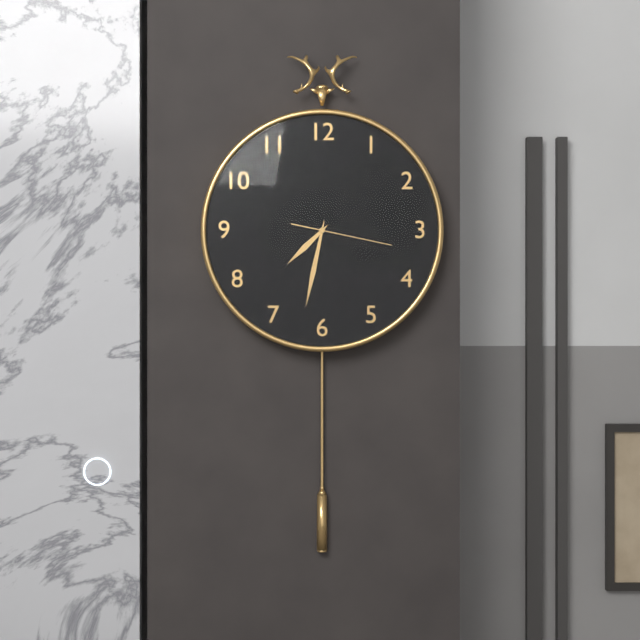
{"hour": 7, "minute": 32, "second": 17}
